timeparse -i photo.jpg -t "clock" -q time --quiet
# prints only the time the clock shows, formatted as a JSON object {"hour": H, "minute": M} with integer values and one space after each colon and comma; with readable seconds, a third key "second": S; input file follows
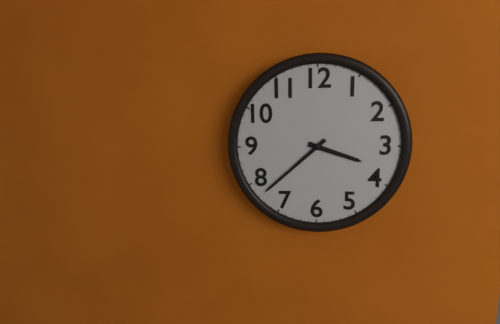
{"hour": 3, "minute": 38}
